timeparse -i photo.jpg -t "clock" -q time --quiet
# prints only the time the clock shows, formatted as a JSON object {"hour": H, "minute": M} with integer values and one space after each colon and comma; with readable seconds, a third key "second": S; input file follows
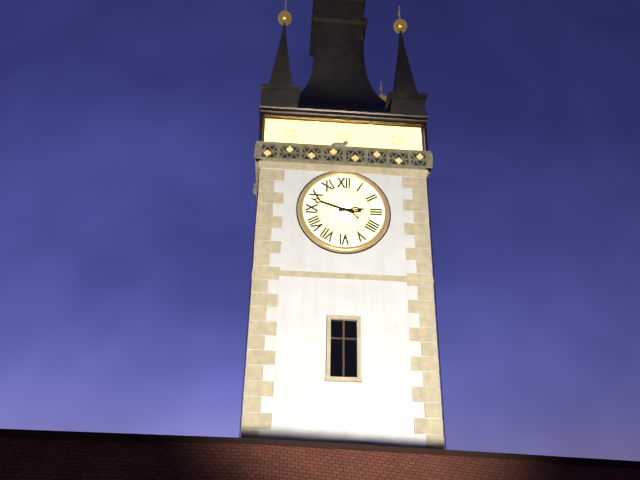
{"hour": 2, "minute": 48}
